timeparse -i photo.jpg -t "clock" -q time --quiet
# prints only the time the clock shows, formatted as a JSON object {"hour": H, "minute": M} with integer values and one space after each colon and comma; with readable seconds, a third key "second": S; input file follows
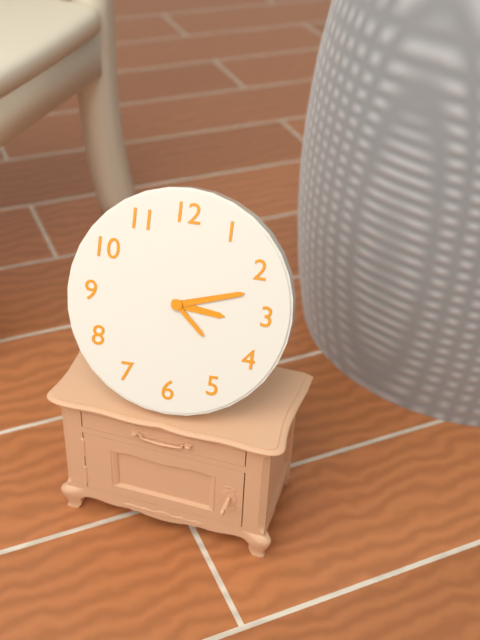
{"hour": 3, "minute": 12, "second": 22}
